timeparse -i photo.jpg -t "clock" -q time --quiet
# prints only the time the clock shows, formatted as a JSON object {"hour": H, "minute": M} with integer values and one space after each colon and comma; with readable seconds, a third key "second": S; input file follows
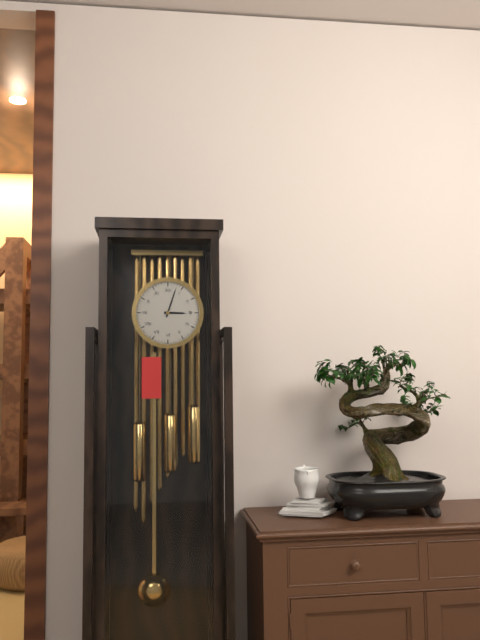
{"hour": 3, "minute": 3}
